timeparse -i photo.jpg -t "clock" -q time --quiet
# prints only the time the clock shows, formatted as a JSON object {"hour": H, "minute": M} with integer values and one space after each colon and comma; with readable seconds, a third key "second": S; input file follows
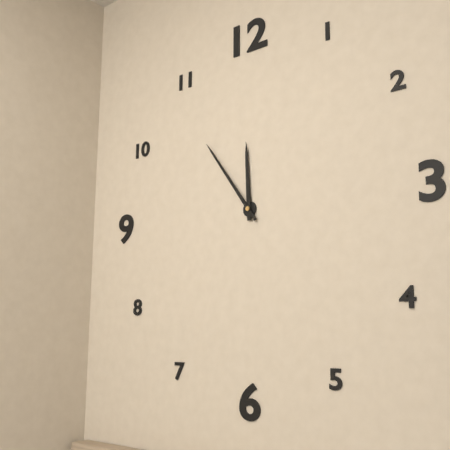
{"hour": 11, "minute": 54}
